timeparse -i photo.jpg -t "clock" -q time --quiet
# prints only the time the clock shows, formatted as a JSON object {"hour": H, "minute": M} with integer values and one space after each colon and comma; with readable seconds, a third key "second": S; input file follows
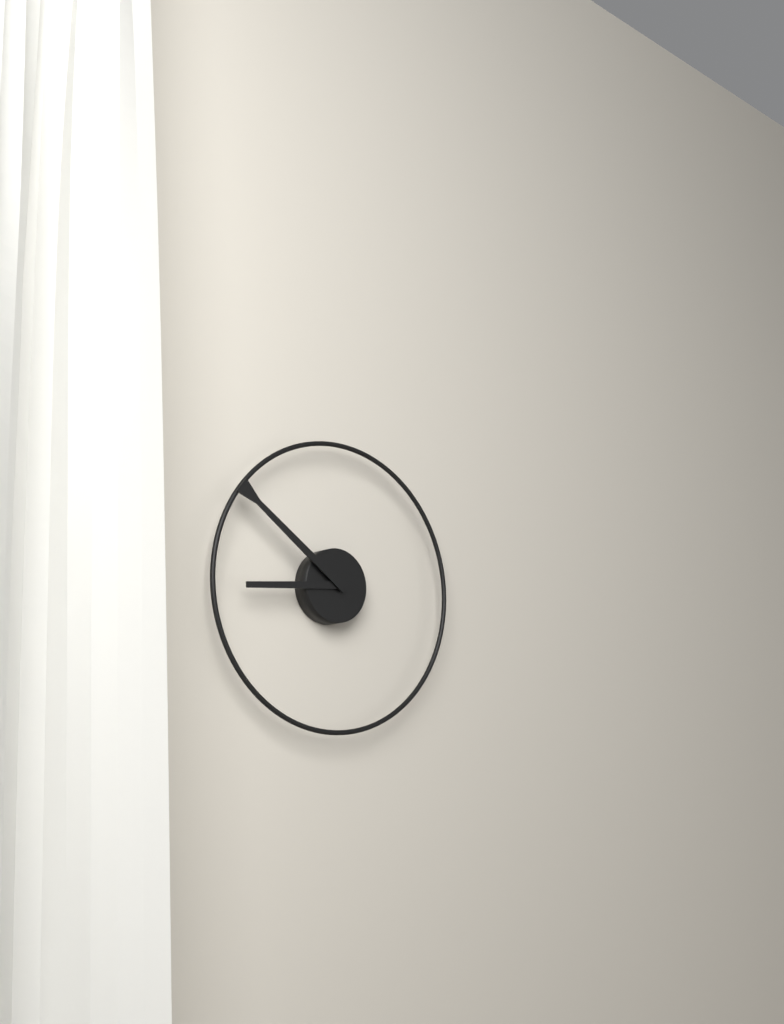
{"hour": 8, "minute": 51}
